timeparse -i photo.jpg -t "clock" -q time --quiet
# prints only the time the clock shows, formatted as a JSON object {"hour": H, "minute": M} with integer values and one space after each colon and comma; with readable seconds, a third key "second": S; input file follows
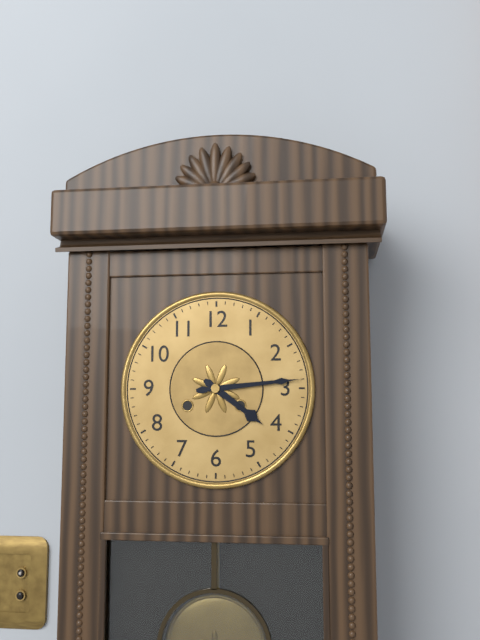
{"hour": 4, "minute": 14}
